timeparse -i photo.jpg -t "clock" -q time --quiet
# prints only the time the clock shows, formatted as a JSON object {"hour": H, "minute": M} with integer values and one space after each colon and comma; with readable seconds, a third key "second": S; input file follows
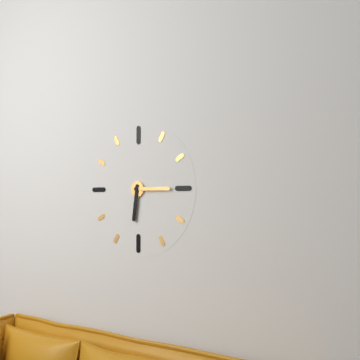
{"hour": 6, "minute": 15}
